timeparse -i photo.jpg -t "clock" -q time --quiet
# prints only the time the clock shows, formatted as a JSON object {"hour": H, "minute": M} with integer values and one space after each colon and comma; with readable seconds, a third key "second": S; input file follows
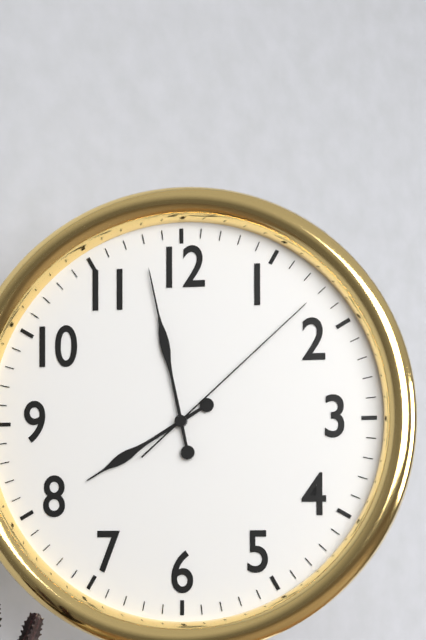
{"hour": 7, "minute": 58, "second": 8}
